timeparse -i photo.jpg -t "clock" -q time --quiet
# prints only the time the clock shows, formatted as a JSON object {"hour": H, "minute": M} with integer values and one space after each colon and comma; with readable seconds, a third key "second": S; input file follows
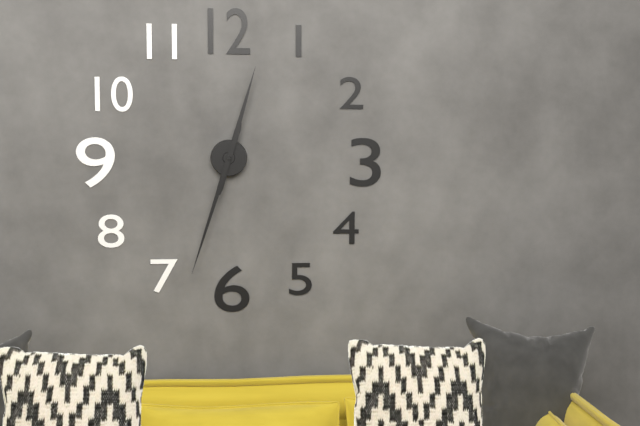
{"hour": 12, "minute": 33}
